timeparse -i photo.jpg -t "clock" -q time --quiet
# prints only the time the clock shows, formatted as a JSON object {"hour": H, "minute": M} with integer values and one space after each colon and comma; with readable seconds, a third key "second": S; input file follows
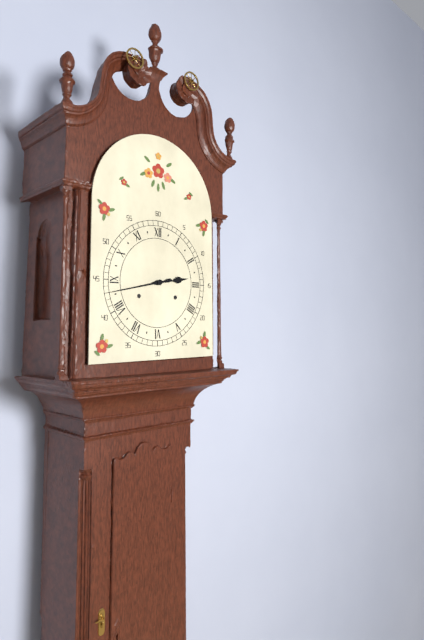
{"hour": 2, "minute": 43}
